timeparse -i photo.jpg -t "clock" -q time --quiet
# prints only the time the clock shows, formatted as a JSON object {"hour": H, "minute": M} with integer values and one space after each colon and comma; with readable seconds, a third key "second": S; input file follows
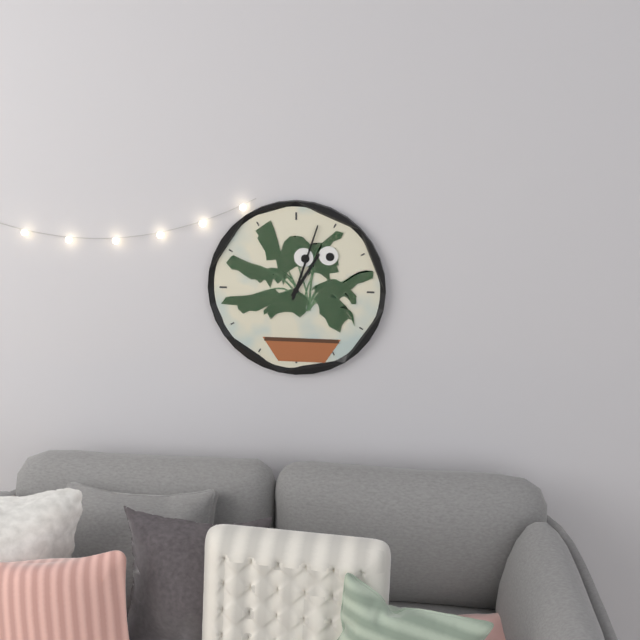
{"hour": 1, "minute": 3}
